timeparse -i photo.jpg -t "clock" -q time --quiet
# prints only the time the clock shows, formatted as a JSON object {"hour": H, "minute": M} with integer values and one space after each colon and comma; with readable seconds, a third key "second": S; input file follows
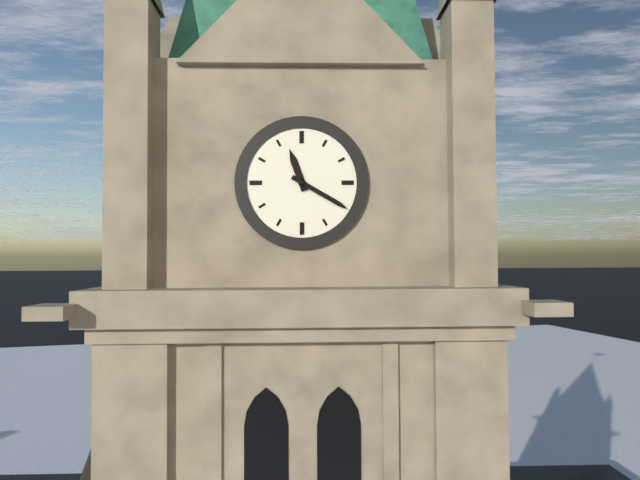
{"hour": 11, "minute": 20}
